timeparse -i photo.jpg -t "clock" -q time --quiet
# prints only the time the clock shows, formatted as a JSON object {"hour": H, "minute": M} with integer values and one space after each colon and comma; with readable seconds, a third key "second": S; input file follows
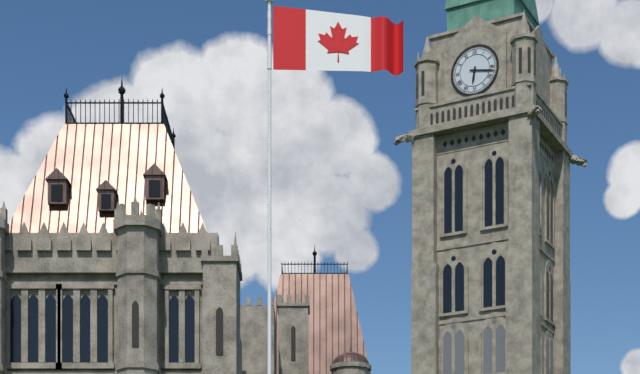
{"hour": 6, "minute": 17}
